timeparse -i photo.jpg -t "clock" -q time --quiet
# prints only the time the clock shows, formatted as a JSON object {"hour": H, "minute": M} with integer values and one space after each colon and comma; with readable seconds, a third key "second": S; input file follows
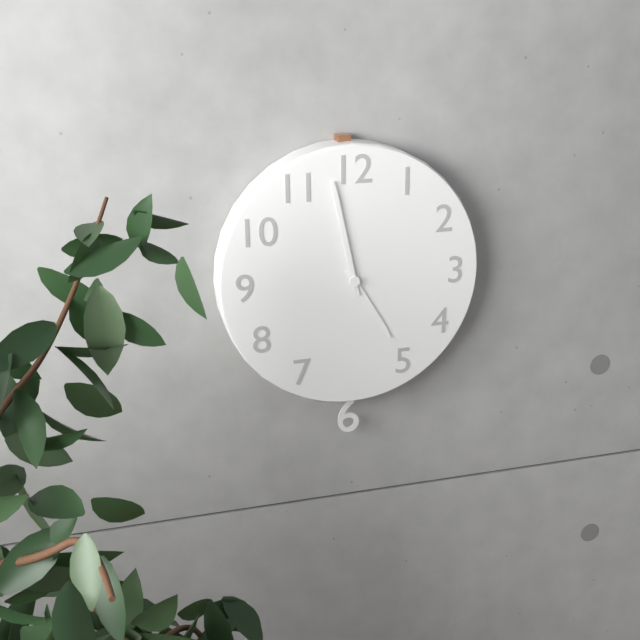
{"hour": 4, "minute": 58}
